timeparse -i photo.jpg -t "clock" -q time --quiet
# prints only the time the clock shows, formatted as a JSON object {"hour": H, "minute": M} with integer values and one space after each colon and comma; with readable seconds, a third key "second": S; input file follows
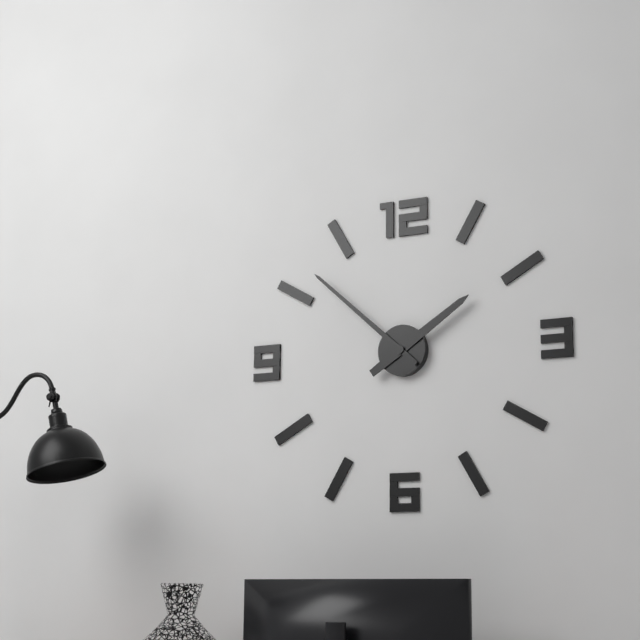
{"hour": 1, "minute": 52}
